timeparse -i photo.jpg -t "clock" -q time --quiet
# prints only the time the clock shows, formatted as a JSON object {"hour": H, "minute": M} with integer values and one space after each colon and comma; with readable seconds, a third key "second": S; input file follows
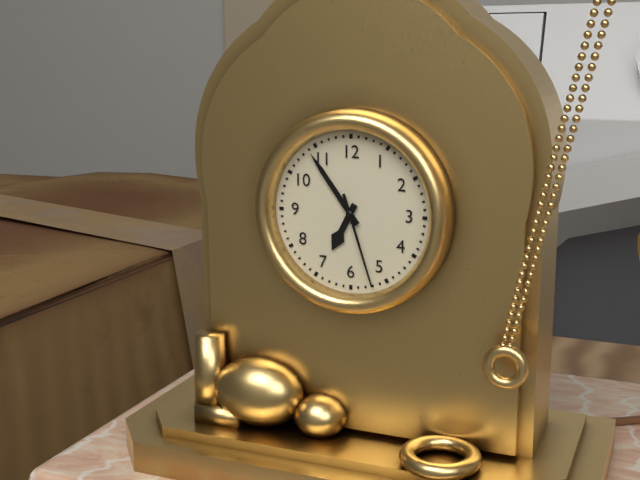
{"hour": 6, "minute": 54, "second": 27}
